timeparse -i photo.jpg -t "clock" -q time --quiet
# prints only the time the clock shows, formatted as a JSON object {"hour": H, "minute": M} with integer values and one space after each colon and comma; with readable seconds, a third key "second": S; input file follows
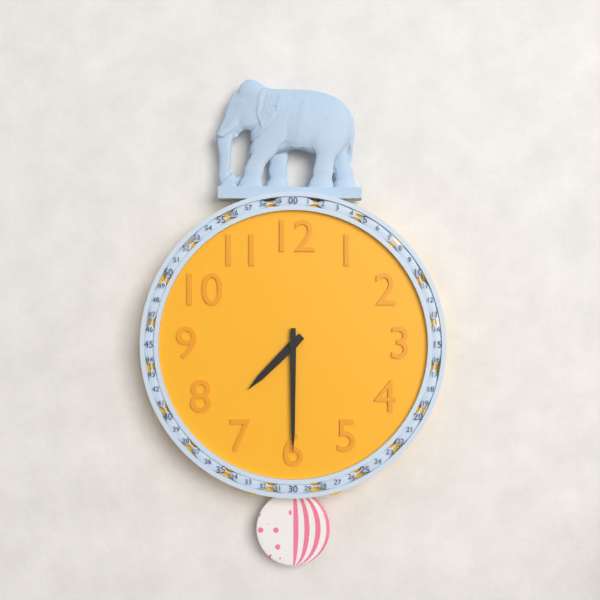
{"hour": 7, "minute": 30}
